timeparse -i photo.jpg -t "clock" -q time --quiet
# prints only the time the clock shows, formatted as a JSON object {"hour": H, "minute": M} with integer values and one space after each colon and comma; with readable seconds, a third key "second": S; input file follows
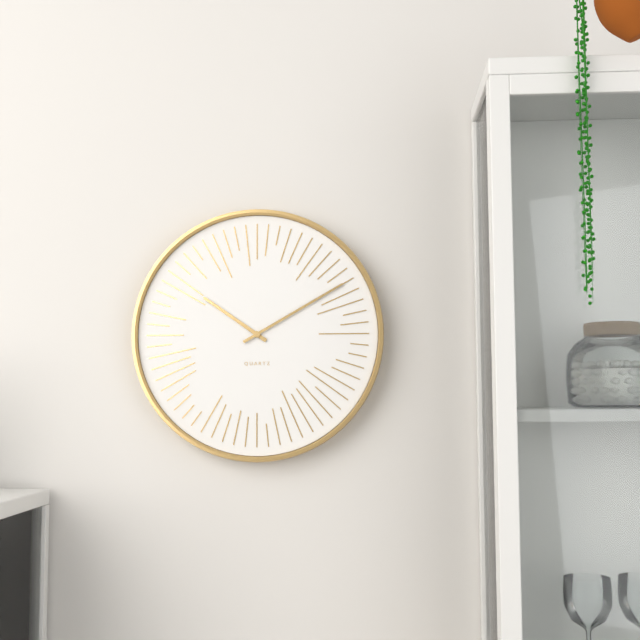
{"hour": 10, "minute": 10}
